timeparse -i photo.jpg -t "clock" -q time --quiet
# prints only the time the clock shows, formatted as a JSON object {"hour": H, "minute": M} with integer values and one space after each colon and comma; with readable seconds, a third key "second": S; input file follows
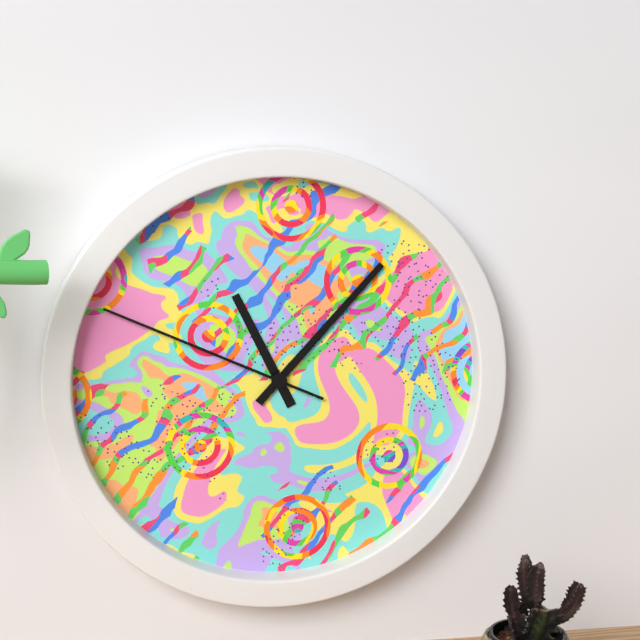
{"hour": 11, "minute": 7, "second": 49}
